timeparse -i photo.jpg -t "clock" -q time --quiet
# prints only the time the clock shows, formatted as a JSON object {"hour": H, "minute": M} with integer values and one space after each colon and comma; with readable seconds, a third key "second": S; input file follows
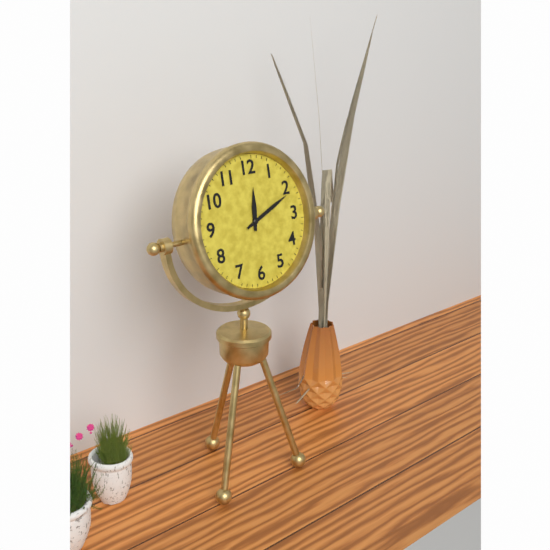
{"hour": 12, "minute": 11}
